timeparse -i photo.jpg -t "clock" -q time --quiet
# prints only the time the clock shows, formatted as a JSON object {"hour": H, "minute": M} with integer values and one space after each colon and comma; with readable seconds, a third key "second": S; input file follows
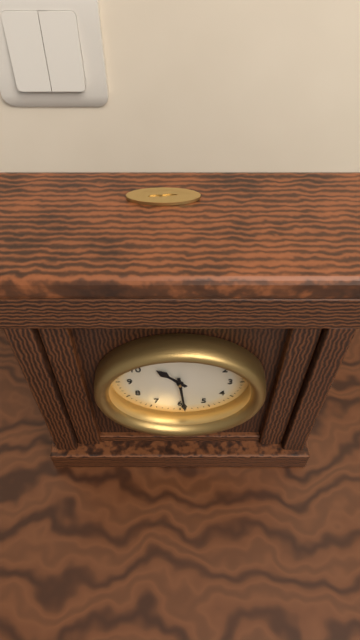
{"hour": 10, "minute": 29}
